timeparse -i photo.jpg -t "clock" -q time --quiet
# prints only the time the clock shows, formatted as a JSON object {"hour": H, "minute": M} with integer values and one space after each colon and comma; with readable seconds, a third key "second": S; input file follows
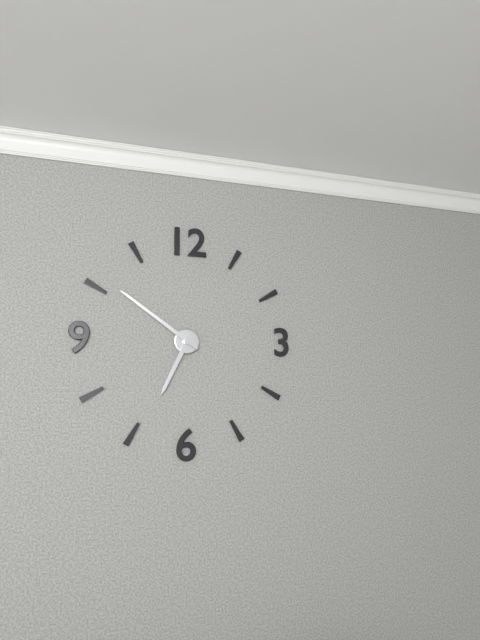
{"hour": 6, "minute": 51}
